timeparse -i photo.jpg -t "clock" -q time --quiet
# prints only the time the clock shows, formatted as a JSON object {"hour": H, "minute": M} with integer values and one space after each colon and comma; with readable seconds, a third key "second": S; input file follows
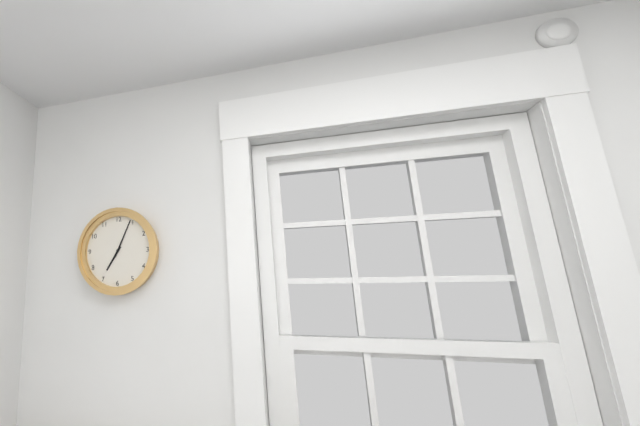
{"hour": 7, "minute": 4}
